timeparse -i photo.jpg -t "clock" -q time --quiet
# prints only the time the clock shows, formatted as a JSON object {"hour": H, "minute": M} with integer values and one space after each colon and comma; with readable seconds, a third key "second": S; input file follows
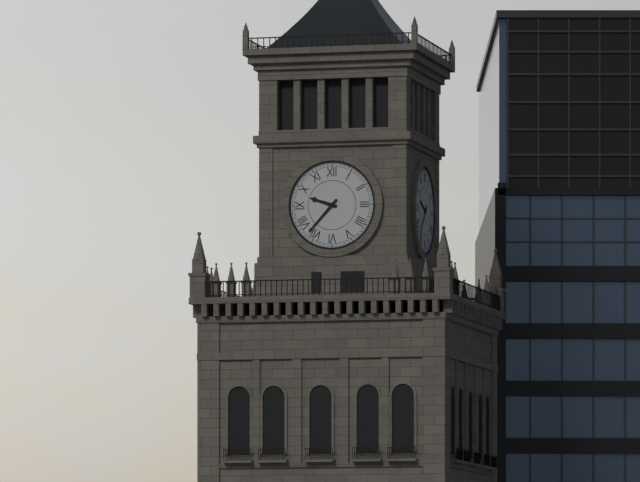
{"hour": 9, "minute": 37}
